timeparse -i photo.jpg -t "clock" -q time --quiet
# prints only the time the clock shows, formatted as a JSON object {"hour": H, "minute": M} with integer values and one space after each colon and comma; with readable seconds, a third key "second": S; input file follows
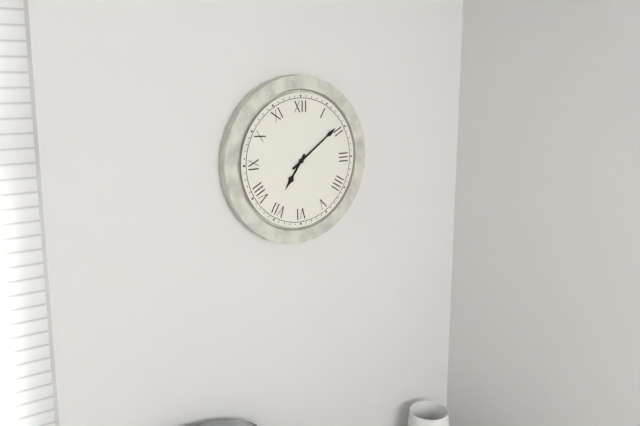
{"hour": 7, "minute": 9}
